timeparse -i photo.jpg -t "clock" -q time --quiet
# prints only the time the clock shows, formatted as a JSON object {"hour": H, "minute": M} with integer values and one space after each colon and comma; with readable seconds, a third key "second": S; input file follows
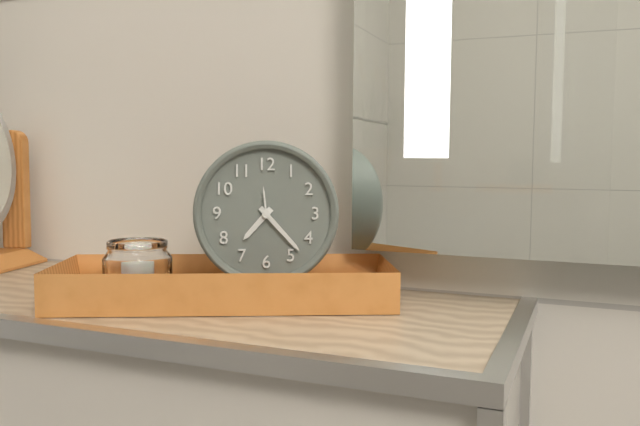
{"hour": 7, "minute": 23}
